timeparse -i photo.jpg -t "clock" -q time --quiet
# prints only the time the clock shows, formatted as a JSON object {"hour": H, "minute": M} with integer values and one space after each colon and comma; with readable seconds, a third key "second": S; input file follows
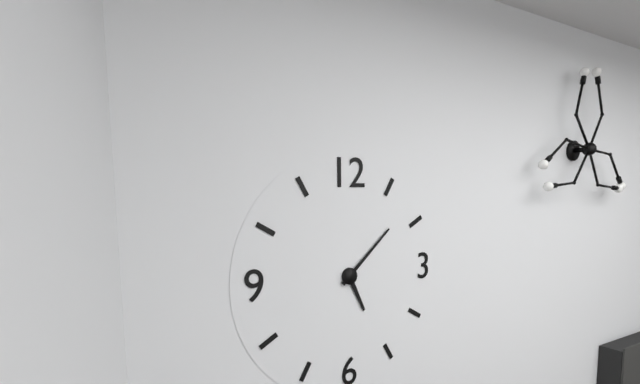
{"hour": 5, "minute": 8}
